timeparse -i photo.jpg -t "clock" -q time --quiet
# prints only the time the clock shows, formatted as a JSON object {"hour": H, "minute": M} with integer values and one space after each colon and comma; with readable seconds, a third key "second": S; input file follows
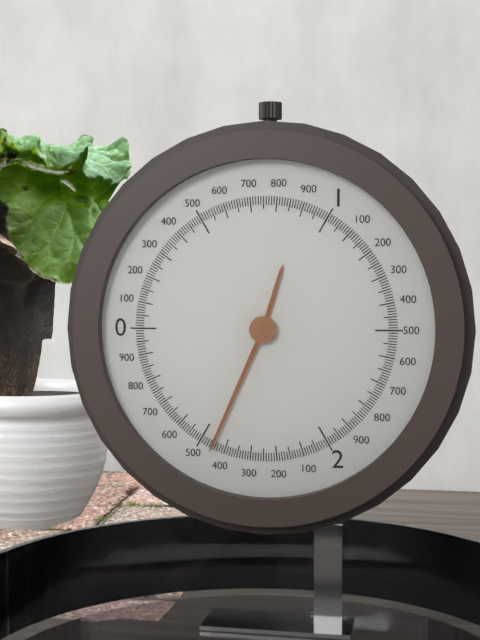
{"hour": 12, "minute": 34}
